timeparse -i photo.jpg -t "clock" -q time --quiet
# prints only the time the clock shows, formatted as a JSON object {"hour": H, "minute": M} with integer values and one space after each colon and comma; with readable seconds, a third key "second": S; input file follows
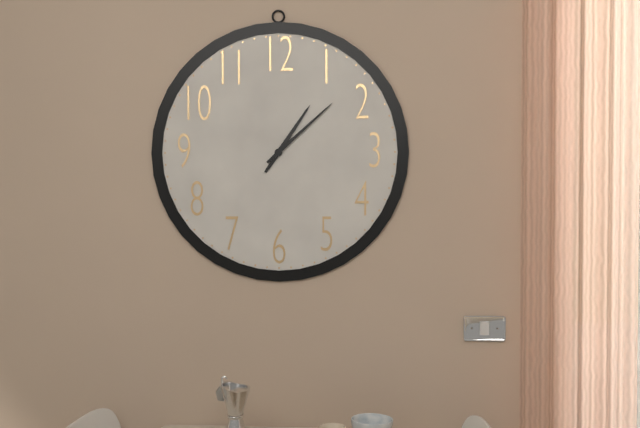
{"hour": 1, "minute": 8}
